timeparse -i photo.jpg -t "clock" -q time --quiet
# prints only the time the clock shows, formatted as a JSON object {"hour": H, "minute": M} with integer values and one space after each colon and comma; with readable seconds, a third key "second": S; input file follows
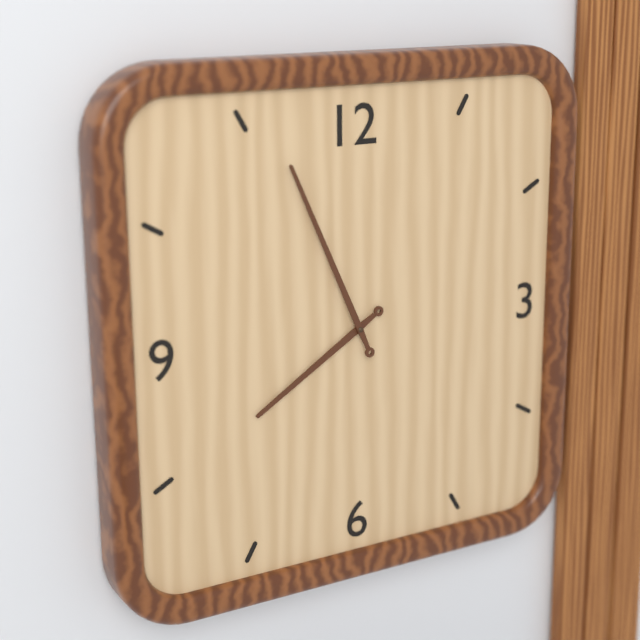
{"hour": 7, "minute": 56}
